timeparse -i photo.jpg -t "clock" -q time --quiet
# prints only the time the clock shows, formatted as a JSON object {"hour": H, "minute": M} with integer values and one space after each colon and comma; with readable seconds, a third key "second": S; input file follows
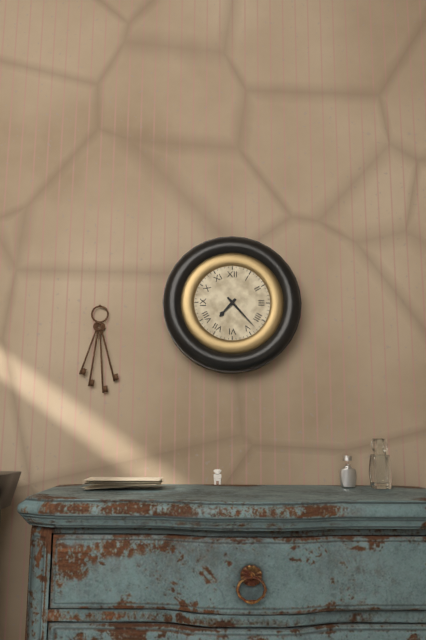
{"hour": 7, "minute": 23}
